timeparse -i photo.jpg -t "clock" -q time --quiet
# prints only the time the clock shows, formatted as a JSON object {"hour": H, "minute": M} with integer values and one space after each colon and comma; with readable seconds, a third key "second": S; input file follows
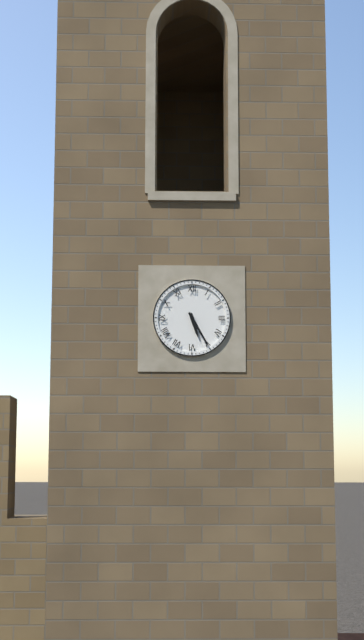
{"hour": 5, "minute": 25}
